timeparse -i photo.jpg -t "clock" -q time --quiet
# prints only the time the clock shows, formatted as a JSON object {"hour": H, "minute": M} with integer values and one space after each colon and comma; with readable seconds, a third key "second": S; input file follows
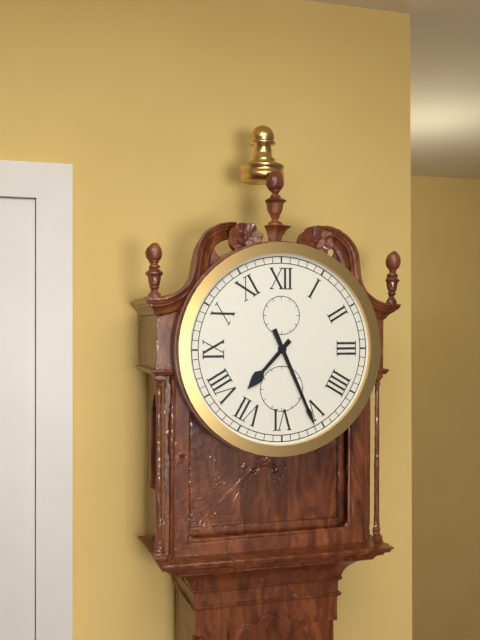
{"hour": 7, "minute": 26}
